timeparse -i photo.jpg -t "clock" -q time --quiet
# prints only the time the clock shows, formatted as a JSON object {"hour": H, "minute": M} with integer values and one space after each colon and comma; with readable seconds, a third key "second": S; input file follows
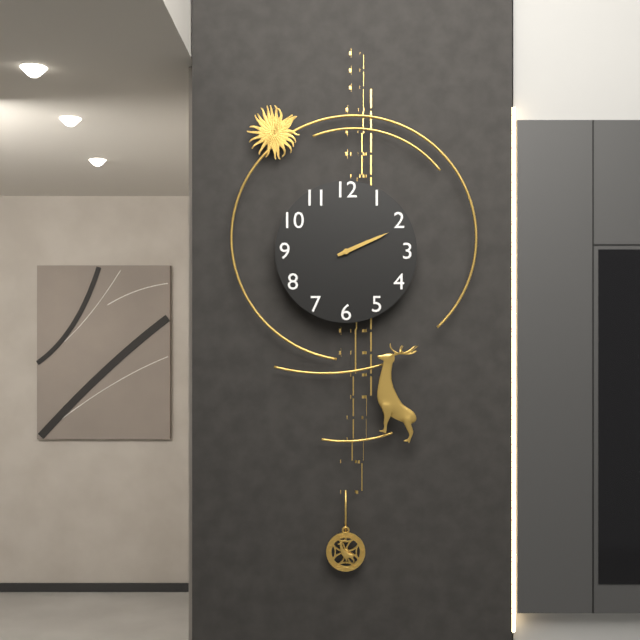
{"hour": 2, "minute": 11}
